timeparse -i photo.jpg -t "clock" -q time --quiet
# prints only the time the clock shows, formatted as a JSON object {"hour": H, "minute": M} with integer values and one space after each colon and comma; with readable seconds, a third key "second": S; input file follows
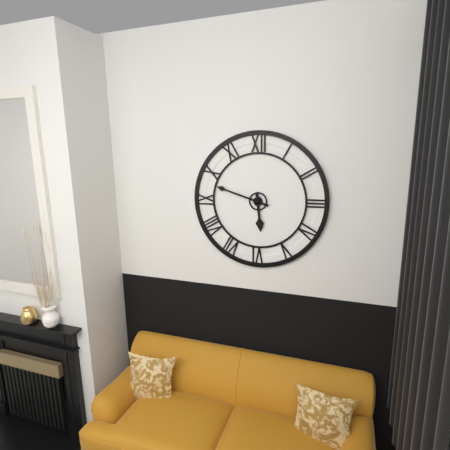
{"hour": 5, "minute": 48}
